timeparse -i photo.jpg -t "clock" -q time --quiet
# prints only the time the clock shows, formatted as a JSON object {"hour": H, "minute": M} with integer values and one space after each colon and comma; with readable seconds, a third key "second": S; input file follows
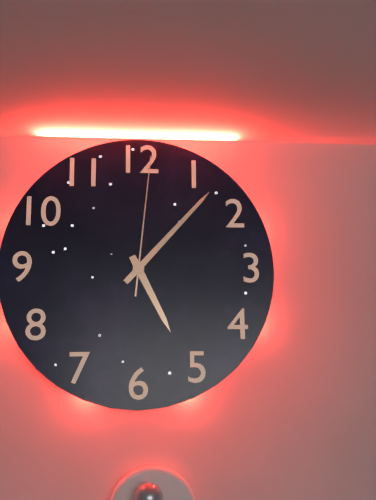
{"hour": 5, "minute": 7, "second": 1}
